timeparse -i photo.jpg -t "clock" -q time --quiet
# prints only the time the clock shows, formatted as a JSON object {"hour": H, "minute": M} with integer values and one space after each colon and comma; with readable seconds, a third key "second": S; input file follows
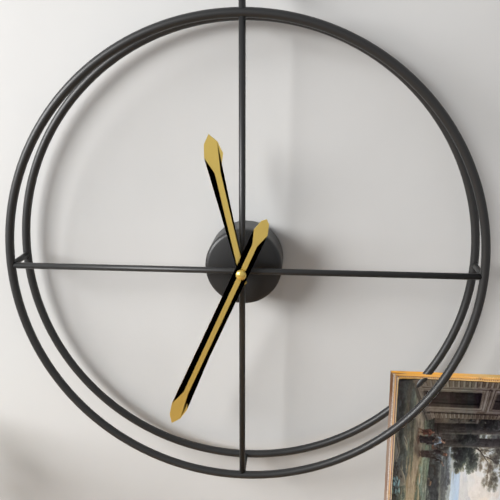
{"hour": 11, "minute": 34}
